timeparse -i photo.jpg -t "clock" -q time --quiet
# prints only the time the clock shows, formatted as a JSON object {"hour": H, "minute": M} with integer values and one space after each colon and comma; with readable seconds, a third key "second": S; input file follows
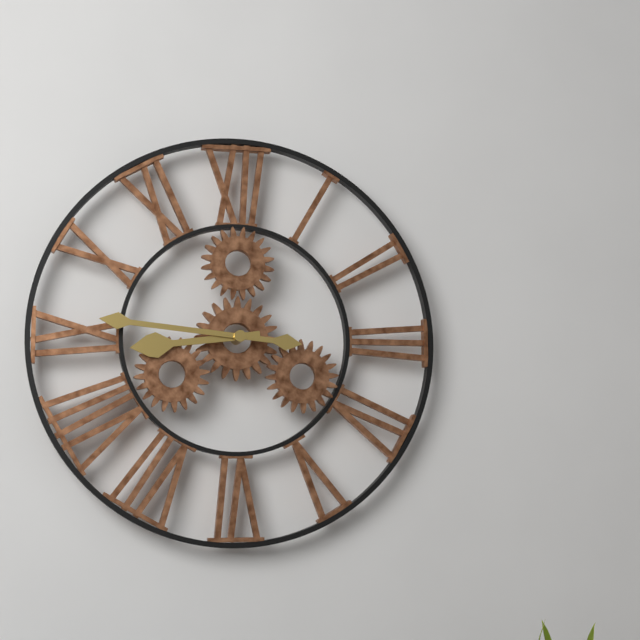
{"hour": 8, "minute": 46}
